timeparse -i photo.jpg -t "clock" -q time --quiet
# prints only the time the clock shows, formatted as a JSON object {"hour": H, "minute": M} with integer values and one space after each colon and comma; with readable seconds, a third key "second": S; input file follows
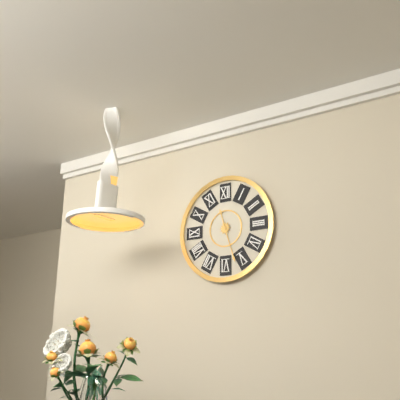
{"hour": 11, "minute": 27}
